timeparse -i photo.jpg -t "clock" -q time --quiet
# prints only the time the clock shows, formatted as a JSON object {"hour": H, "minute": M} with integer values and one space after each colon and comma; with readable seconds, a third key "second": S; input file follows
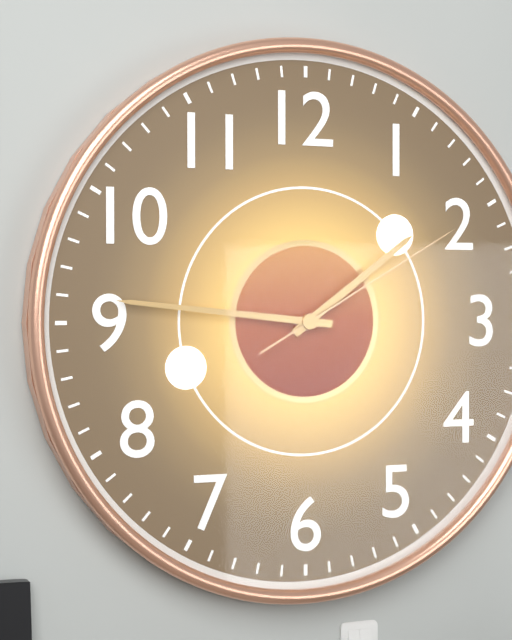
{"hour": 1, "minute": 46, "second": 10}
